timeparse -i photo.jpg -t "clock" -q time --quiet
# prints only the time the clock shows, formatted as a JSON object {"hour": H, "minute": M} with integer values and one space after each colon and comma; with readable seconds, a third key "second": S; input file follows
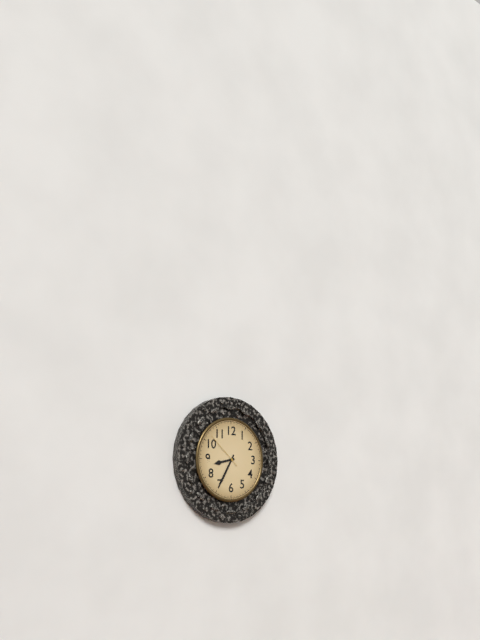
{"hour": 8, "minute": 35}
